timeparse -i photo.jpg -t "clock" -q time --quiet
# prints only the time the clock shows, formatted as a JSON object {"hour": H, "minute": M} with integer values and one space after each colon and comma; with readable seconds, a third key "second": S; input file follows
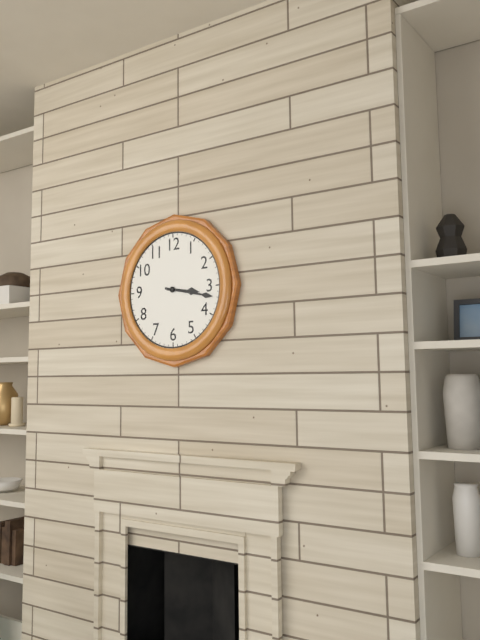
{"hour": 3, "minute": 17}
